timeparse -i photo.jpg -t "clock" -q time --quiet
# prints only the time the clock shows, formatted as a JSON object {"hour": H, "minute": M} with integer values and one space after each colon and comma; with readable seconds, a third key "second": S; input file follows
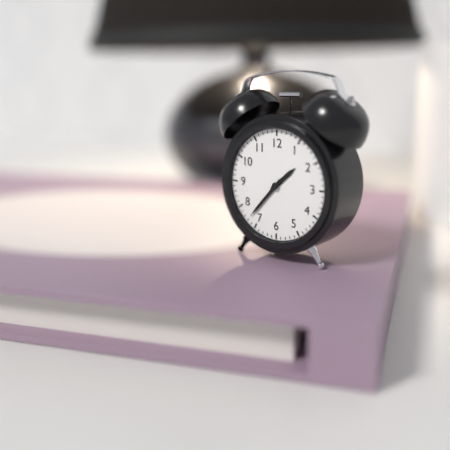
{"hour": 1, "minute": 37}
